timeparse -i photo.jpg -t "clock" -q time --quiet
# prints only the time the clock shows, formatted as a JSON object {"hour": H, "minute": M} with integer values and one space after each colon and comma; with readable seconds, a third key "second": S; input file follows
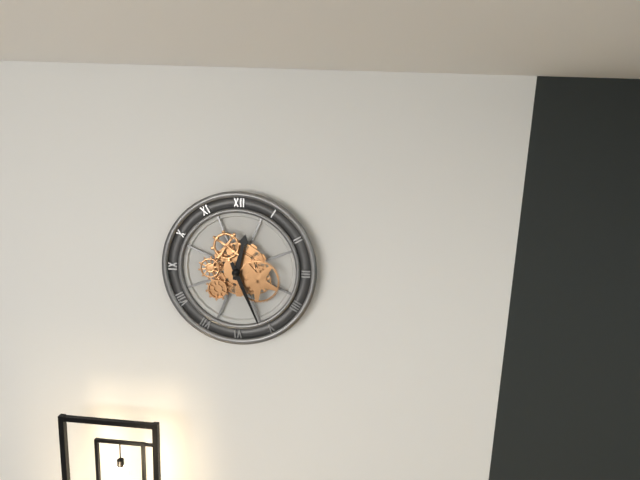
{"hour": 12, "minute": 26}
